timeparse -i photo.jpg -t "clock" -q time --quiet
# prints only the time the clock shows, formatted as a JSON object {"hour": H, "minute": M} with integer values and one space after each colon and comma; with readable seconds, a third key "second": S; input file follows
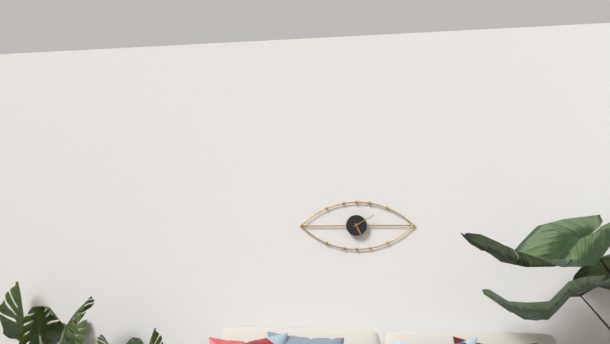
{"hour": 5, "minute": 10}
